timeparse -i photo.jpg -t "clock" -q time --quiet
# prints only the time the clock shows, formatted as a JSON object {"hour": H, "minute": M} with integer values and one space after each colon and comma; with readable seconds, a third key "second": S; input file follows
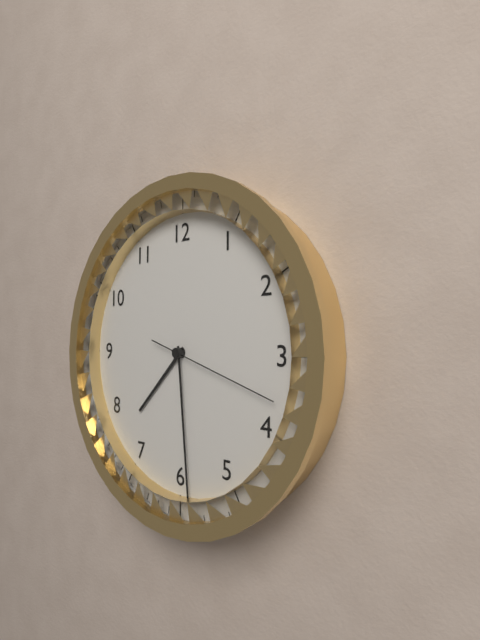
{"hour": 7, "minute": 29, "second": 18}
